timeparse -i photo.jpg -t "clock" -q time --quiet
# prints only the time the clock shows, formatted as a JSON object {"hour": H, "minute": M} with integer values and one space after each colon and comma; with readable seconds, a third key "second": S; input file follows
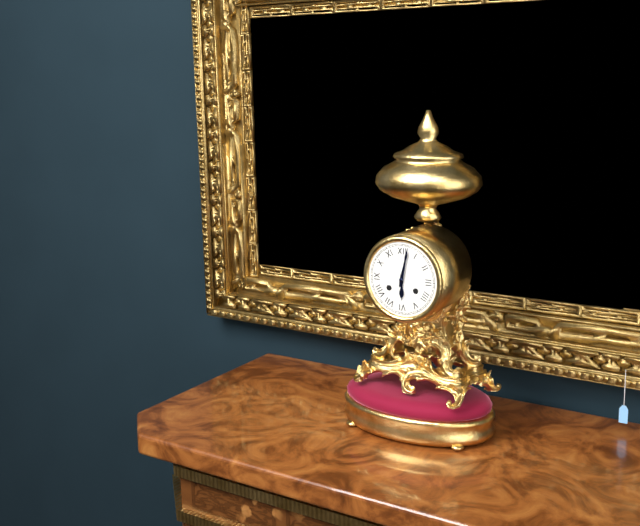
{"hour": 6, "minute": 2}
